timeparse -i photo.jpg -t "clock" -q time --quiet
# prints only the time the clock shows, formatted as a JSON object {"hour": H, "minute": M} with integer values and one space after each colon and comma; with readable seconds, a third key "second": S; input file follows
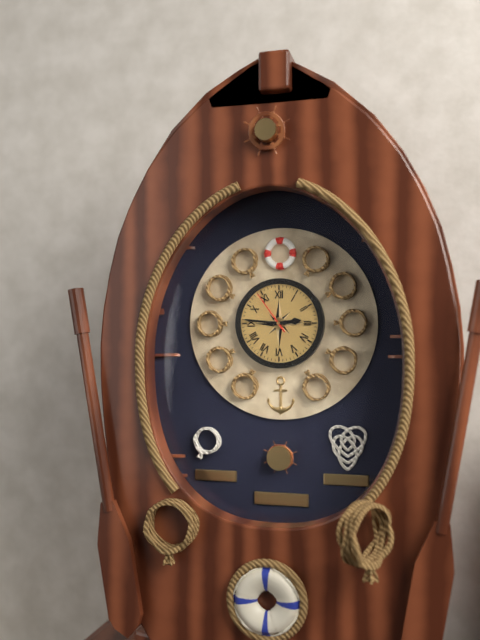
{"hour": 2, "minute": 46}
